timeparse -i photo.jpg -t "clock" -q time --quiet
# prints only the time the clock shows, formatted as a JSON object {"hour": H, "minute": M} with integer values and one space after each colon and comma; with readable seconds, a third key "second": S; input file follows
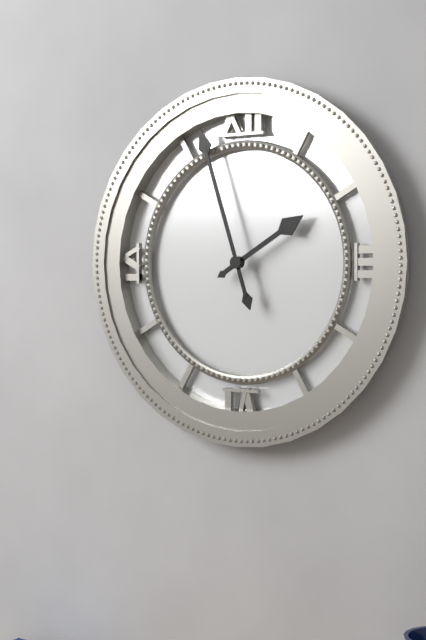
{"hour": 1, "minute": 57}
